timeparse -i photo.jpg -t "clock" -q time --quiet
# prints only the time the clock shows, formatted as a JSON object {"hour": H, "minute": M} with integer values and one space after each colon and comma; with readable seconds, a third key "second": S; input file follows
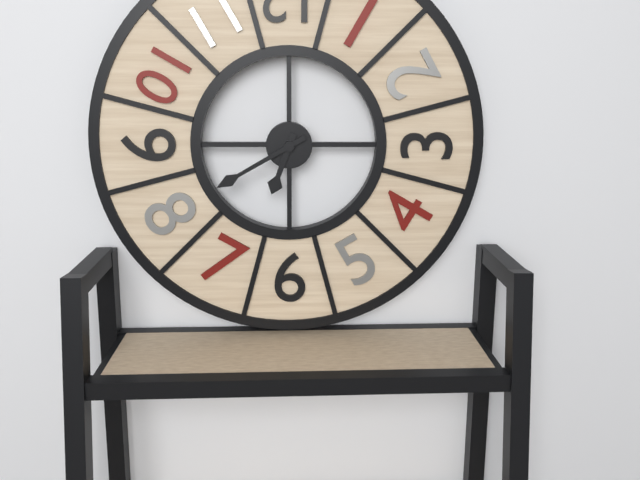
{"hour": 6, "minute": 40}
